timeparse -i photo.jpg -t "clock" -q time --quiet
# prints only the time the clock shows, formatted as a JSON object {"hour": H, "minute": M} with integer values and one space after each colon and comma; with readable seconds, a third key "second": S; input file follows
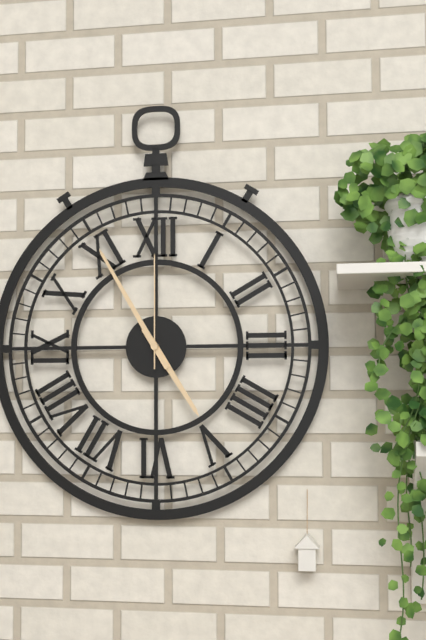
{"hour": 4, "minute": 55, "second": 0}
